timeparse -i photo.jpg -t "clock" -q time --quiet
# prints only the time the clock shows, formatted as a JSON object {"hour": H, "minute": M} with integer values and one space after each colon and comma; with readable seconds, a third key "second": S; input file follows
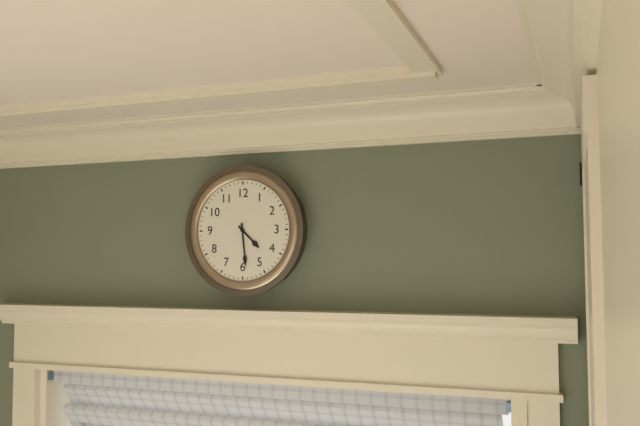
{"hour": 4, "minute": 29}
